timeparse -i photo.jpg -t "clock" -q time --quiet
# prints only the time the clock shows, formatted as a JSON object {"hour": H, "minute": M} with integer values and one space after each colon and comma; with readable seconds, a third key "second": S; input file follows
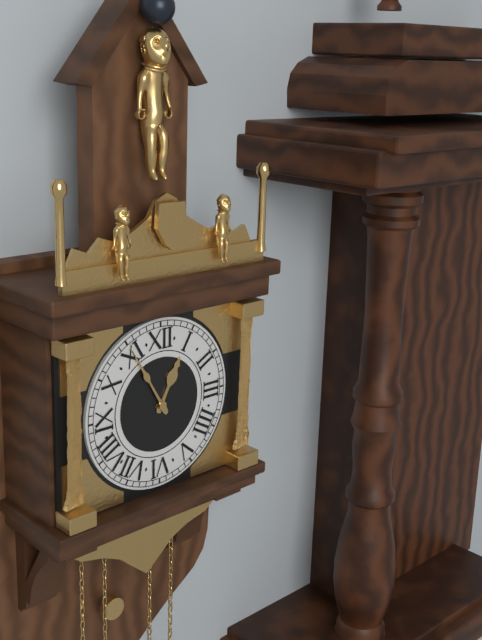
{"hour": 12, "minute": 55}
